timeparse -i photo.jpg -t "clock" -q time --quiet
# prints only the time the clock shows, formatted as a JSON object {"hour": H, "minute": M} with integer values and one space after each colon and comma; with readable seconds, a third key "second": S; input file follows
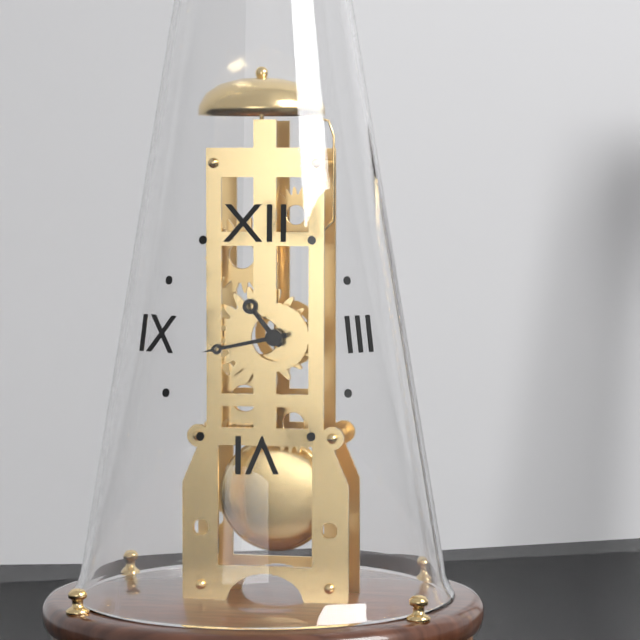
{"hour": 10, "minute": 43}
